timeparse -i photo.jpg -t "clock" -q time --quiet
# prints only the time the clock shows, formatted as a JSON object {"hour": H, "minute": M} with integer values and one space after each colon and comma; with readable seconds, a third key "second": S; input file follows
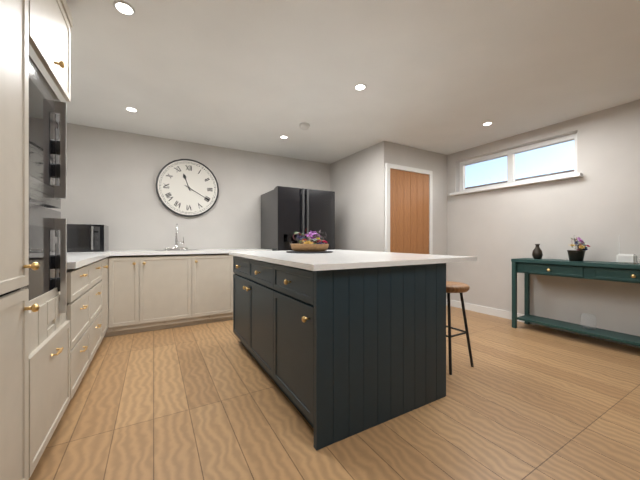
{"hour": 11, "minute": 20}
